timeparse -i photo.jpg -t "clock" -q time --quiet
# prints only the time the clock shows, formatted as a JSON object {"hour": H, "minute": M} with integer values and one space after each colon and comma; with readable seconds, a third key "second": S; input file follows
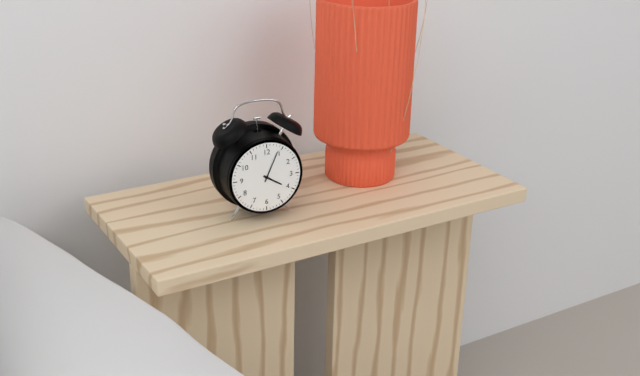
{"hour": 4, "minute": 4}
